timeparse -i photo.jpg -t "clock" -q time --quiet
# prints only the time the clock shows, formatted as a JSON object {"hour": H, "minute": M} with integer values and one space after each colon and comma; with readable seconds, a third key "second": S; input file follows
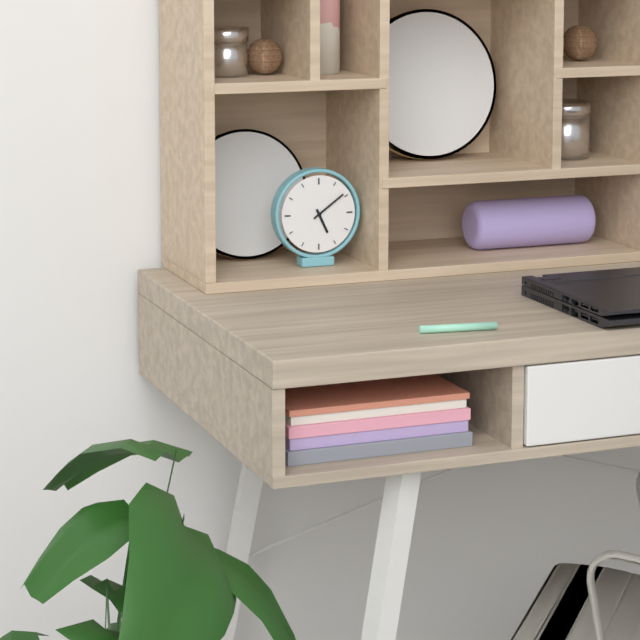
{"hour": 5, "minute": 9}
